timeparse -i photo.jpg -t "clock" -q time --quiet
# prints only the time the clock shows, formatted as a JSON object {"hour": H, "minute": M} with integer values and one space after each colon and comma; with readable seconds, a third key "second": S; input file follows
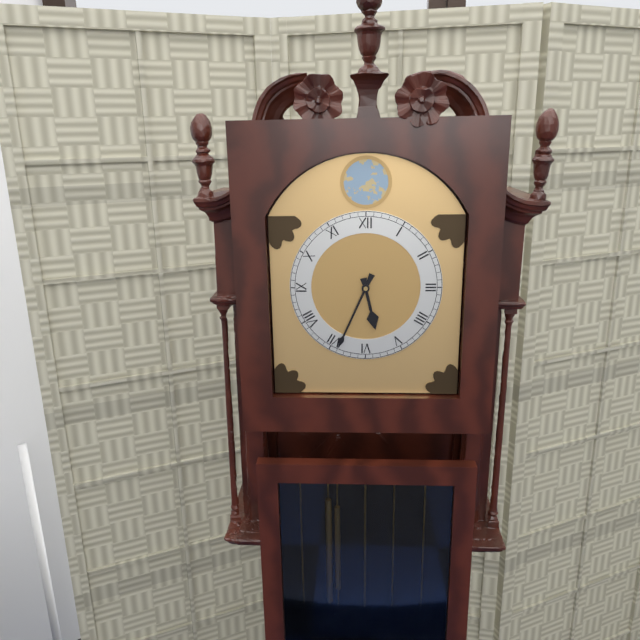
{"hour": 5, "minute": 34}
